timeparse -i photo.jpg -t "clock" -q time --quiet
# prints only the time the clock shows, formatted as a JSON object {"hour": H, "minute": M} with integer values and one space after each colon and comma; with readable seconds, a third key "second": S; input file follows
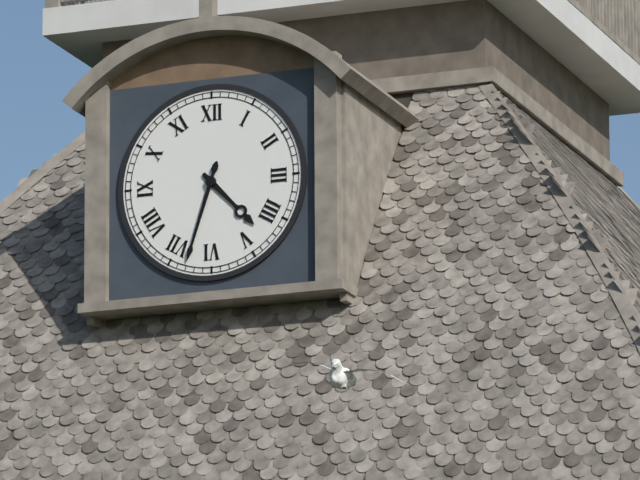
{"hour": 4, "minute": 33}
